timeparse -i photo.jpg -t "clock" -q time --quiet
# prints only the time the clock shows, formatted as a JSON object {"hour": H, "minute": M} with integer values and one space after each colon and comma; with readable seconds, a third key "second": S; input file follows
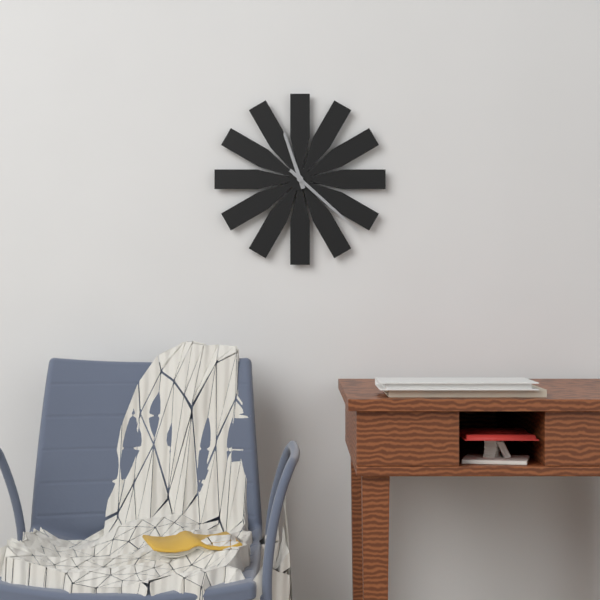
{"hour": 11, "minute": 22}
